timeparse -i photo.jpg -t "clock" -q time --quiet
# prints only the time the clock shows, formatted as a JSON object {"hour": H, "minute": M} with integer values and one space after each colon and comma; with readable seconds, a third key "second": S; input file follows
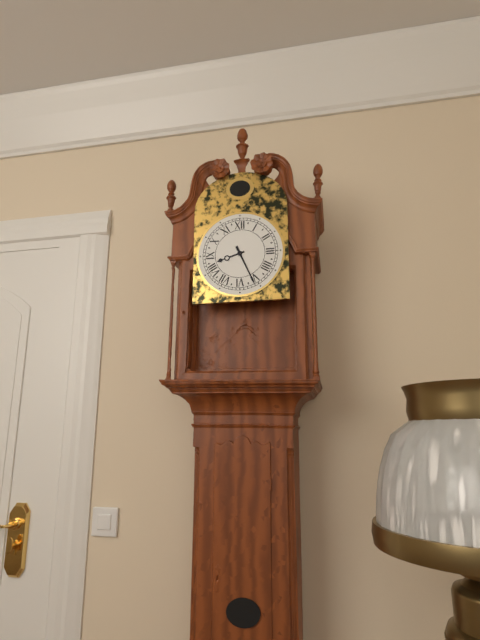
{"hour": 8, "minute": 26}
